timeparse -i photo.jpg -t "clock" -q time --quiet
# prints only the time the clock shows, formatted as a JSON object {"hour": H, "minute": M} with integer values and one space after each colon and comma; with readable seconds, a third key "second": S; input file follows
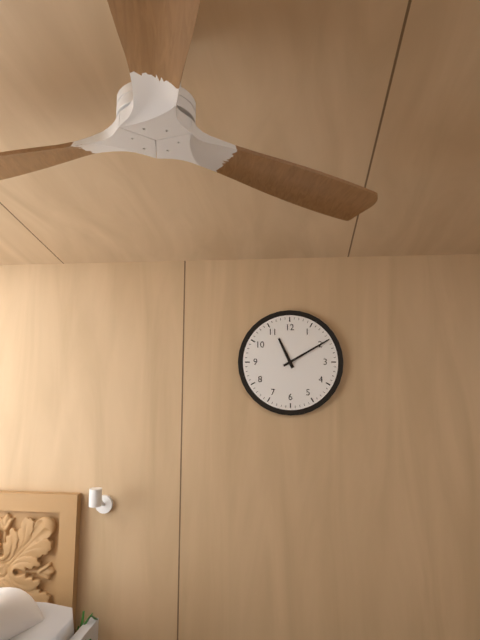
{"hour": 11, "minute": 10}
